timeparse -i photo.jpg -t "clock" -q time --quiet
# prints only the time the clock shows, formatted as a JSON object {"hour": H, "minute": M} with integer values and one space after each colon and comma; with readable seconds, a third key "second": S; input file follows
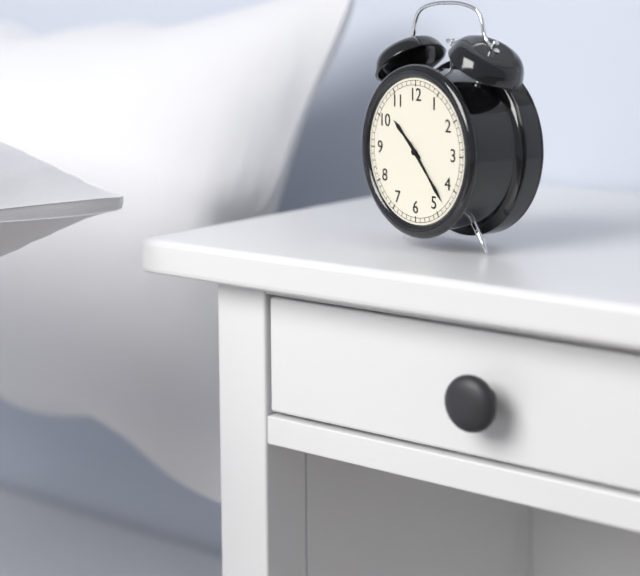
{"hour": 10, "minute": 23}
